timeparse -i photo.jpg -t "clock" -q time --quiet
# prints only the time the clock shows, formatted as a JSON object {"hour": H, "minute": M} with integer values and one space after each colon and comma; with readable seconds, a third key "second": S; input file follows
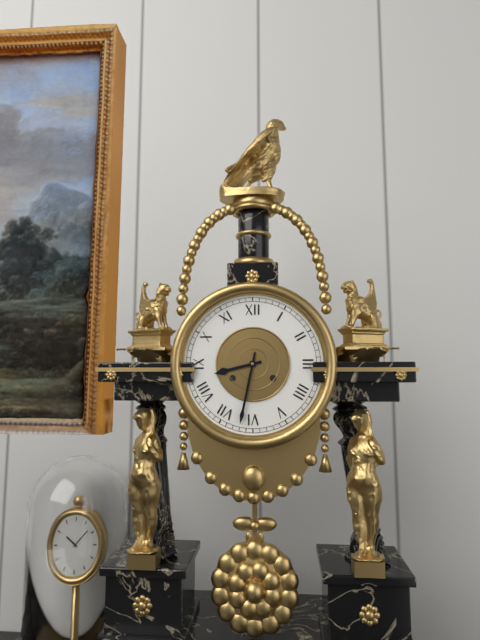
{"hour": 8, "minute": 32}
